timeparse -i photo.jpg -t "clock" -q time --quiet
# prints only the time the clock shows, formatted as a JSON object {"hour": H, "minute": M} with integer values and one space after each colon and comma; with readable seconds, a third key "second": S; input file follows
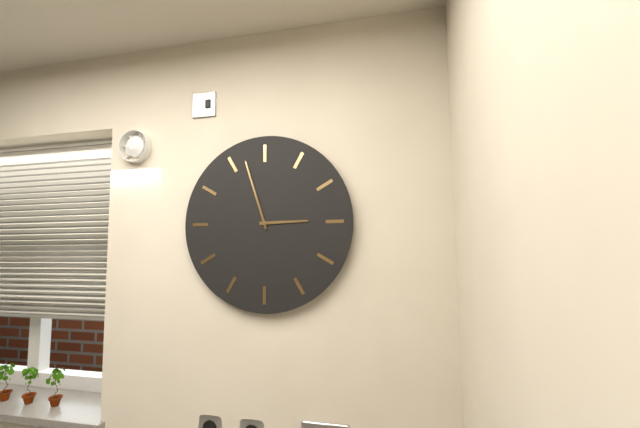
{"hour": 2, "minute": 57}
